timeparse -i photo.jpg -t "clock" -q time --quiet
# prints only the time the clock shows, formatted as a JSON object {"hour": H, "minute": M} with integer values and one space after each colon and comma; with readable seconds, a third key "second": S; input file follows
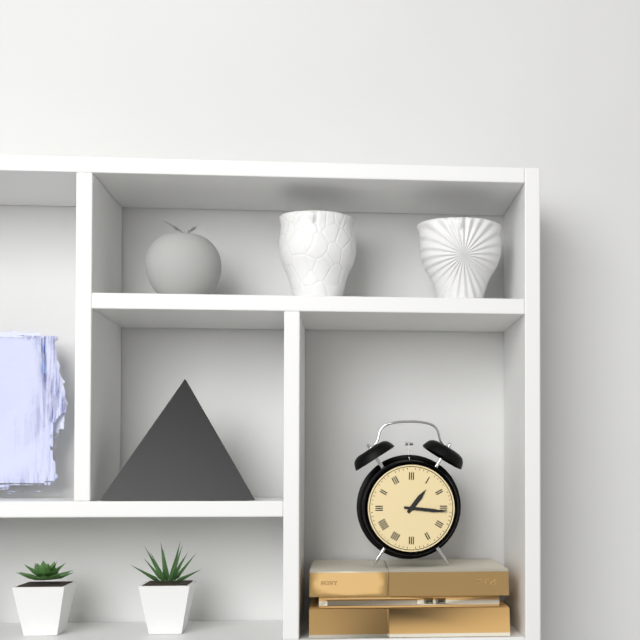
{"hour": 1, "minute": 16}
